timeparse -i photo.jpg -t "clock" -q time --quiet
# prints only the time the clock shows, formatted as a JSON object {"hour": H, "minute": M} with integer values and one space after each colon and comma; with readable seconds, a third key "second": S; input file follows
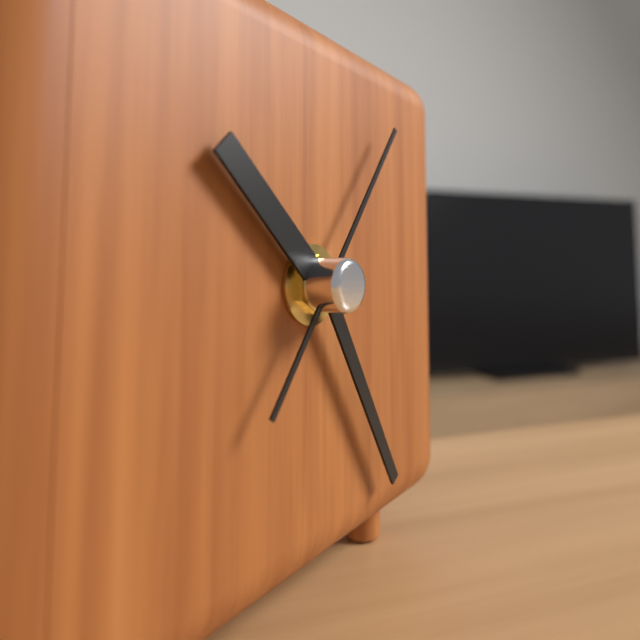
{"hour": 10, "minute": 25, "second": 6}
